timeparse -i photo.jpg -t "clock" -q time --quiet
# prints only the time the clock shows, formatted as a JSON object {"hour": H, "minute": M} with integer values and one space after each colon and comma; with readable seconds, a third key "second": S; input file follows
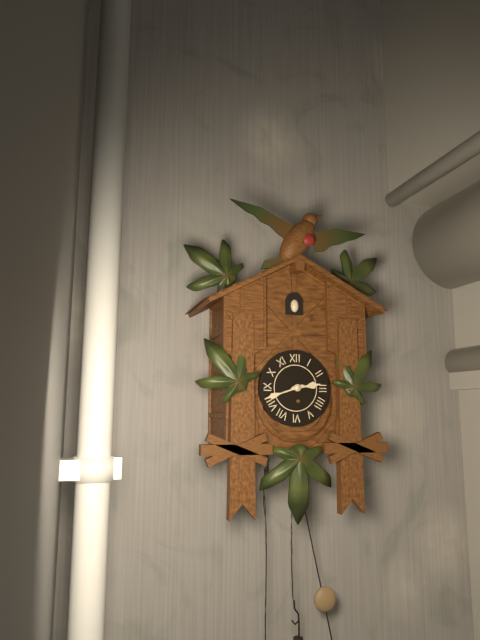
{"hour": 2, "minute": 42}
